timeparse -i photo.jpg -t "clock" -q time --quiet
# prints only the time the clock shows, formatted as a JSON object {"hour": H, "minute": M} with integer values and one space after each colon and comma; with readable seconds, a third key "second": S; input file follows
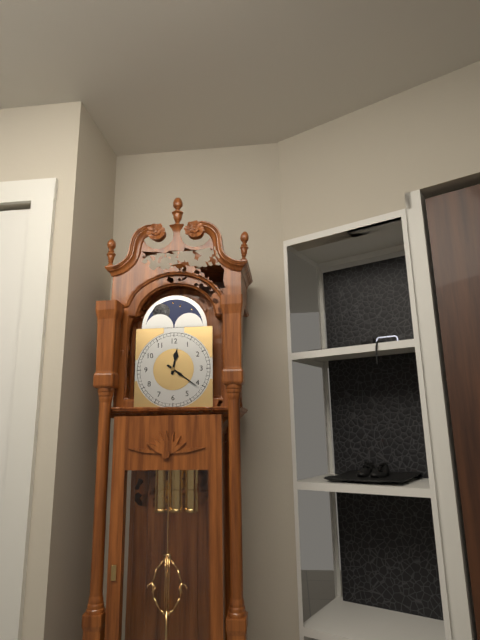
{"hour": 12, "minute": 21}
